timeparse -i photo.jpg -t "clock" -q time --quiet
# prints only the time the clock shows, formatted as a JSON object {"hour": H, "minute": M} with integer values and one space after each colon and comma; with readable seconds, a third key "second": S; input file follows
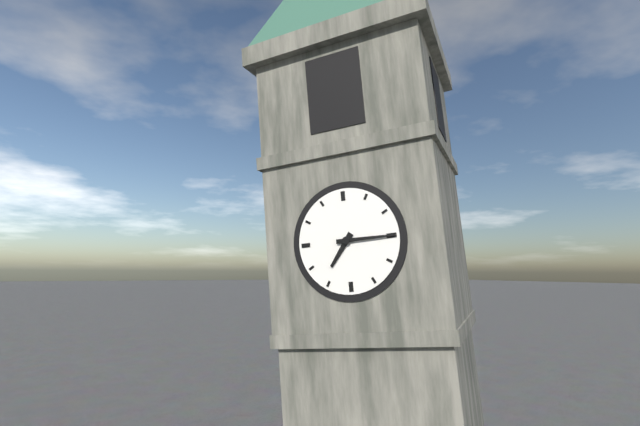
{"hour": 7, "minute": 15}
